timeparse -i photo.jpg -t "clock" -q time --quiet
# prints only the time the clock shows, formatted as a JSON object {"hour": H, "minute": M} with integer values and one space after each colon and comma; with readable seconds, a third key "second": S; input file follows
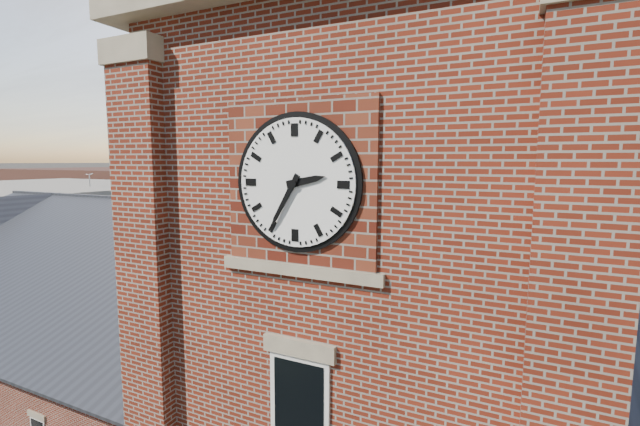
{"hour": 2, "minute": 35}
